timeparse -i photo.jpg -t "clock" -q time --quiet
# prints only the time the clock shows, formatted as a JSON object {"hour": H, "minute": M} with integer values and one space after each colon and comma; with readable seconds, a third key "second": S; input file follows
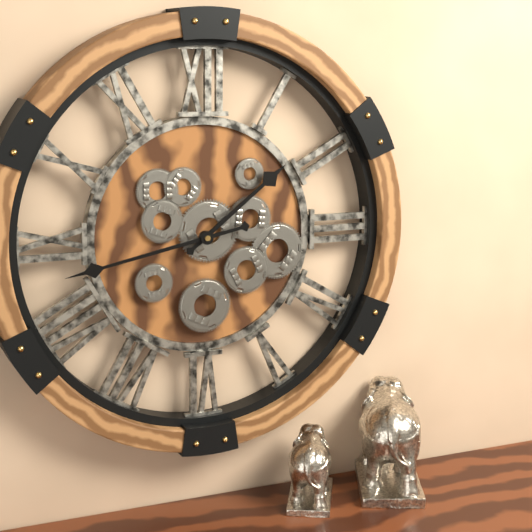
{"hour": 1, "minute": 43}
